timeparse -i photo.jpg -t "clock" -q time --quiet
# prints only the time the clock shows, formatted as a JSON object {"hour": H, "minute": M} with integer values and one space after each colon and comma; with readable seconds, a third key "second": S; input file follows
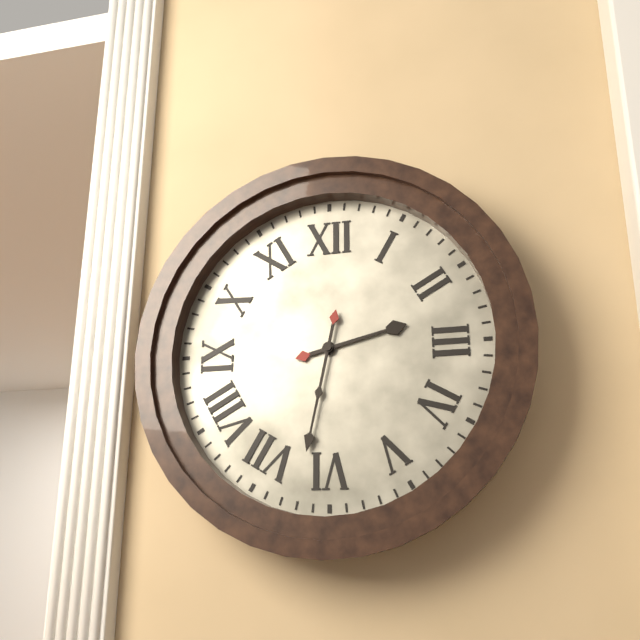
{"hour": 2, "minute": 32}
